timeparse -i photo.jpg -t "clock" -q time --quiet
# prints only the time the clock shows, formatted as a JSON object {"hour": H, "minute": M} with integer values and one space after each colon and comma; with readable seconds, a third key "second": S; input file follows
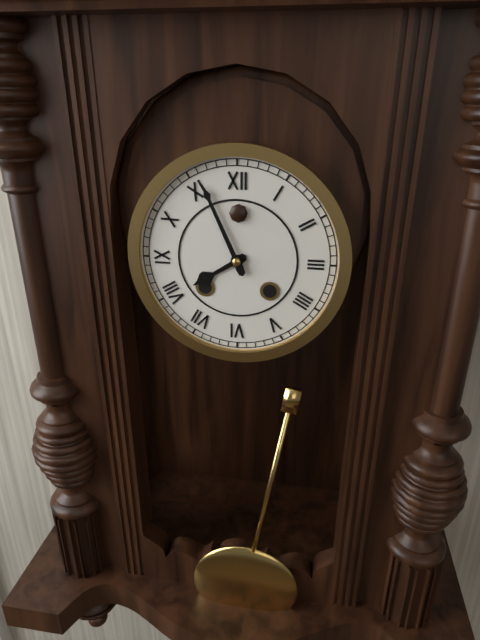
{"hour": 7, "minute": 56}
